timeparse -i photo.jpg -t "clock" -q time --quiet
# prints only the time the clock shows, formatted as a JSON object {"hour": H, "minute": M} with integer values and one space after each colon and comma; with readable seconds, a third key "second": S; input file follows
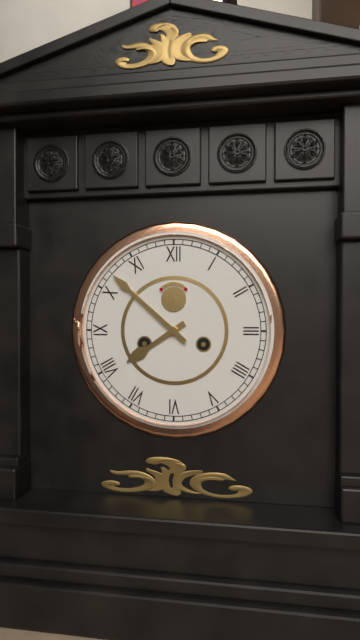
{"hour": 7, "minute": 52}
